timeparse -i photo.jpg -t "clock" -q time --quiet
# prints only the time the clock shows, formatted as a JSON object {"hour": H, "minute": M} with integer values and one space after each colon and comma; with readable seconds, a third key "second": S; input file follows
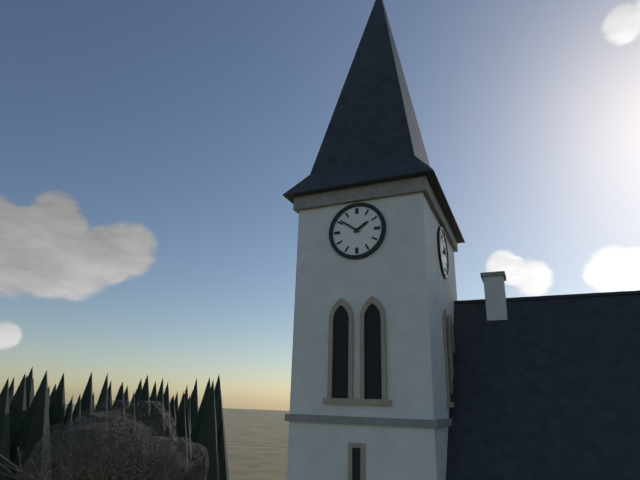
{"hour": 1, "minute": 51}
